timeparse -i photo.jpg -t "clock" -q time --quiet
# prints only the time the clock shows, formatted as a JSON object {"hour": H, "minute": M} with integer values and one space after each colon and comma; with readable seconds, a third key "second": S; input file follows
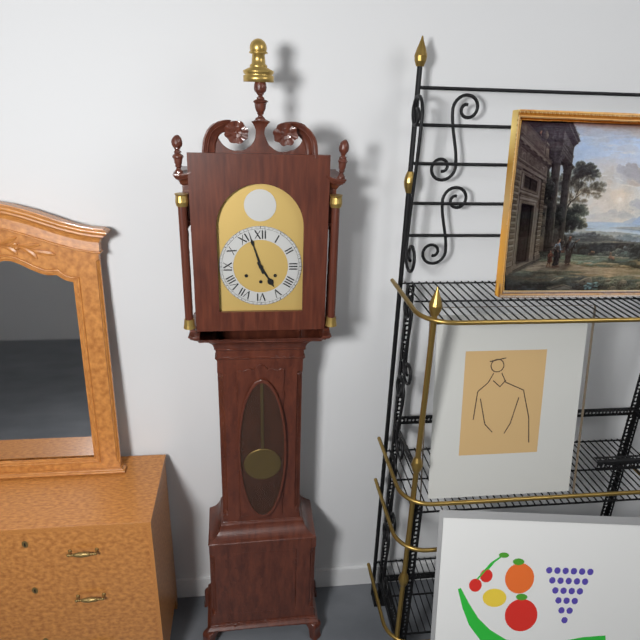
{"hour": 4, "minute": 57}
